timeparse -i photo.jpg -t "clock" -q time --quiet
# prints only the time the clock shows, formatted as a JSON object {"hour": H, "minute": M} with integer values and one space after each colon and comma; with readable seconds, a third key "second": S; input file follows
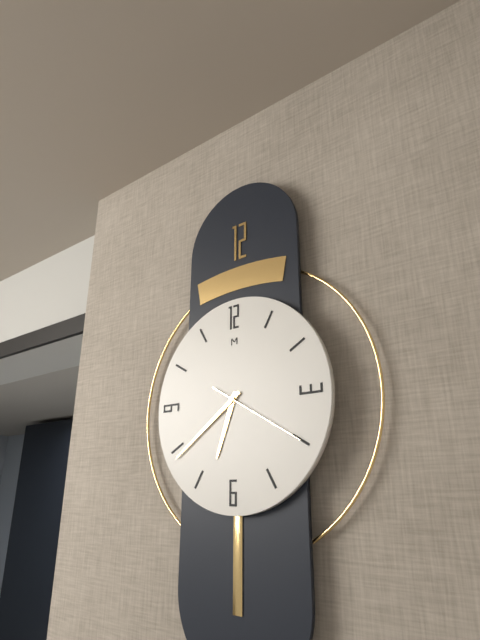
{"hour": 6, "minute": 39, "second": 20}
